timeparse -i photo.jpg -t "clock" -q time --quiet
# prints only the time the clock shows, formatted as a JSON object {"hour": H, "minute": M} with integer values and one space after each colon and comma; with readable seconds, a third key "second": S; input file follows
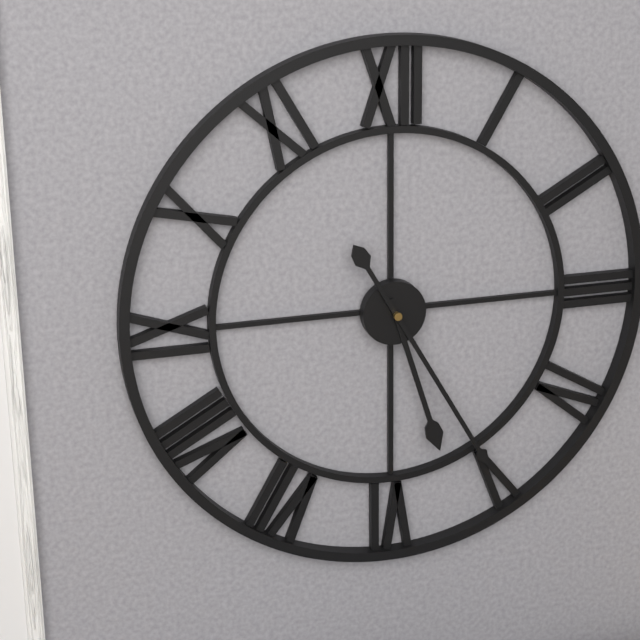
{"hour": 5, "minute": 25}
